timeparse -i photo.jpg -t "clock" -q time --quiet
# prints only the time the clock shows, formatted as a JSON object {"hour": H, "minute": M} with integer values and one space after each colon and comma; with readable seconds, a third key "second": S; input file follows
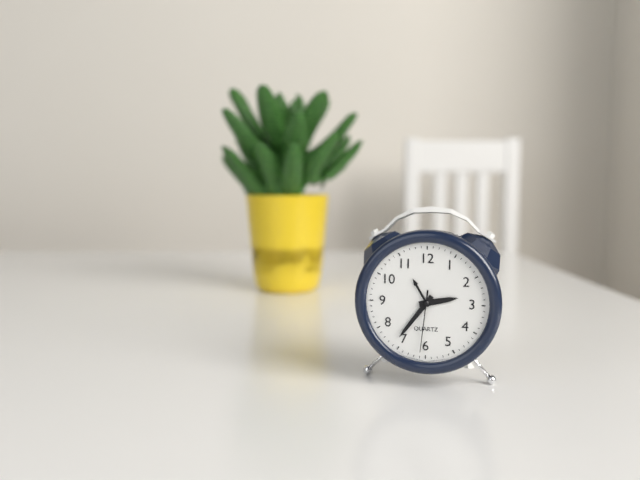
{"hour": 2, "minute": 36, "second": 31}
